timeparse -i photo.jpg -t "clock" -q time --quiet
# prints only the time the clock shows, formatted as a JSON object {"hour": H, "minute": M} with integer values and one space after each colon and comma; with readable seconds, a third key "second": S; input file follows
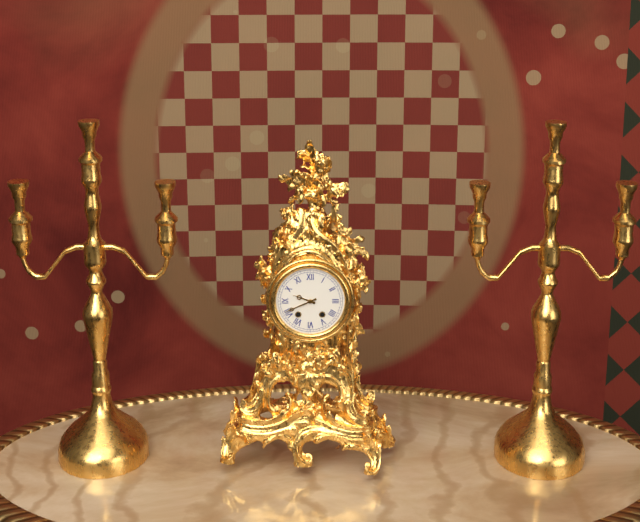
{"hour": 9, "minute": 41}
